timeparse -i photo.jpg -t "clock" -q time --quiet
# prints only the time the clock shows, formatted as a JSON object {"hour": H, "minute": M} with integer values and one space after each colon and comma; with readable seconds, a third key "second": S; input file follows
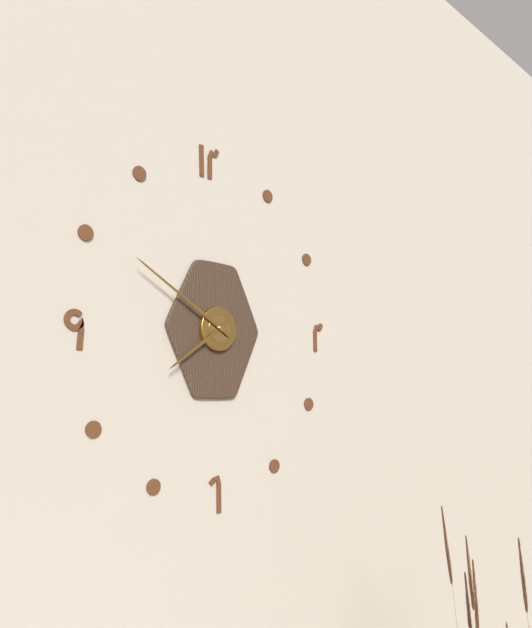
{"hour": 7, "minute": 50}
